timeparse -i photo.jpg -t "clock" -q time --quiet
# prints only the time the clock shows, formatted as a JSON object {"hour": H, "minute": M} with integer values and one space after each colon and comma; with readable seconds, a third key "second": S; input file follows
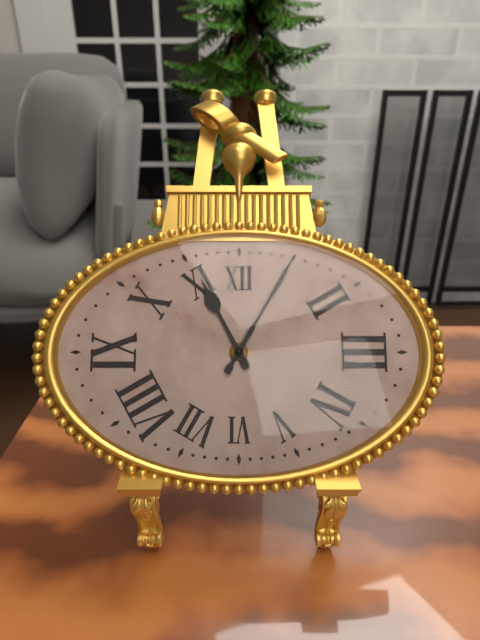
{"hour": 11, "minute": 5}
